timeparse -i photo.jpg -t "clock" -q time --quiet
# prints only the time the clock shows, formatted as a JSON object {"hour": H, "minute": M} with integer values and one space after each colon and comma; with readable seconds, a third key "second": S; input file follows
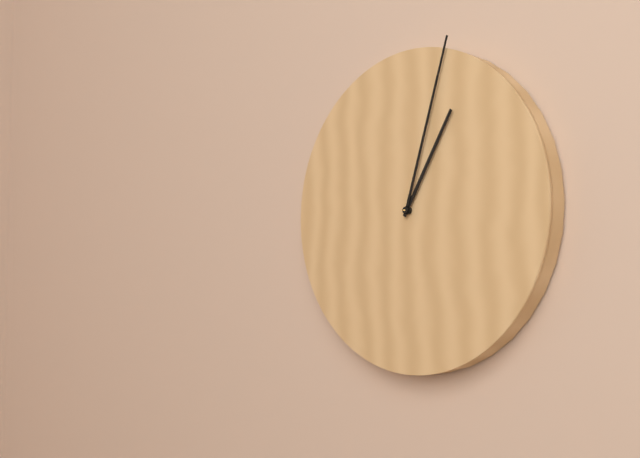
{"hour": 1, "minute": 3}
